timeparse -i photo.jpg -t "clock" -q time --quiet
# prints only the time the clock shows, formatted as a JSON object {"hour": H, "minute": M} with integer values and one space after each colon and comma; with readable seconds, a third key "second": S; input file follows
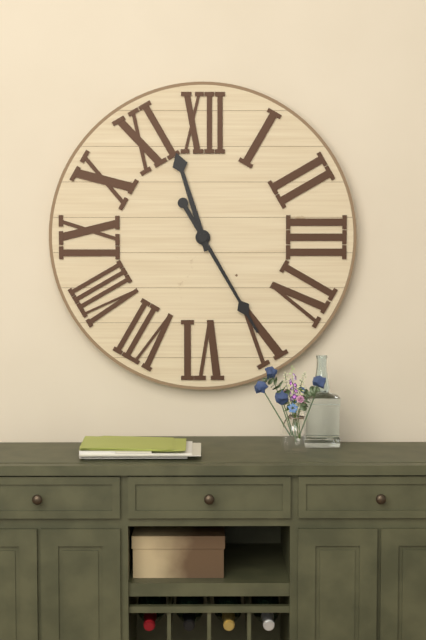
{"hour": 11, "minute": 25}
